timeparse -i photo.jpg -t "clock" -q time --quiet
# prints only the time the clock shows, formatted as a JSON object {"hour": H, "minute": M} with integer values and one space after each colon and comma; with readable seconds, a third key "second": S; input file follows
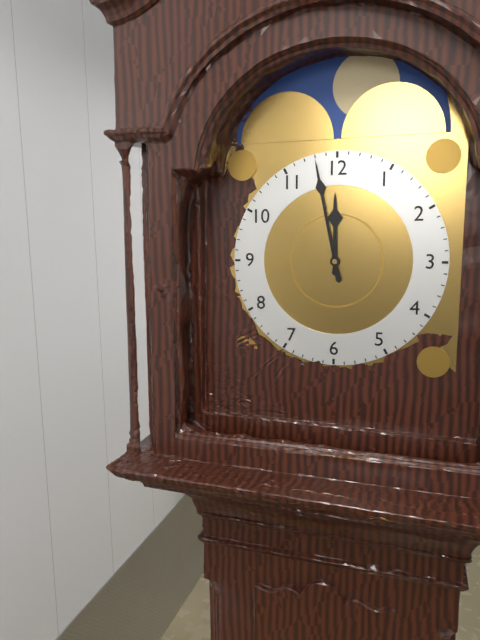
{"hour": 11, "minute": 58}
